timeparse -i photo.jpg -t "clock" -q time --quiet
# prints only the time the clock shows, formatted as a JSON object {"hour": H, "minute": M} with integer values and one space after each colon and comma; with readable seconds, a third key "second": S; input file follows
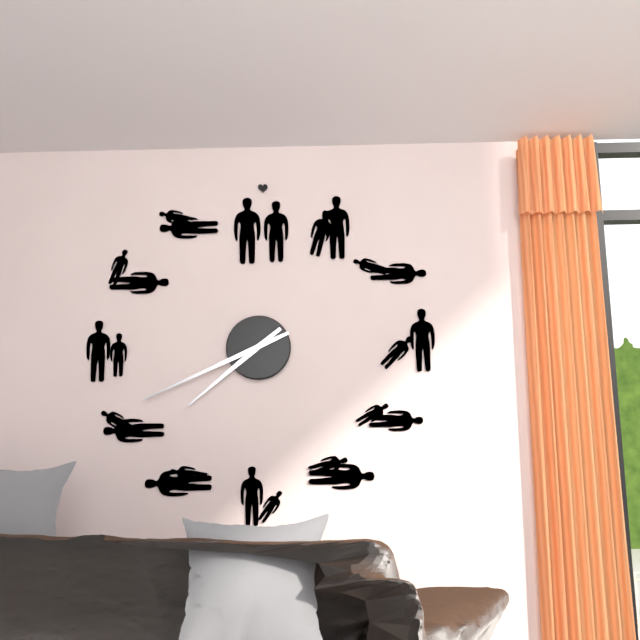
{"hour": 7, "minute": 41}
